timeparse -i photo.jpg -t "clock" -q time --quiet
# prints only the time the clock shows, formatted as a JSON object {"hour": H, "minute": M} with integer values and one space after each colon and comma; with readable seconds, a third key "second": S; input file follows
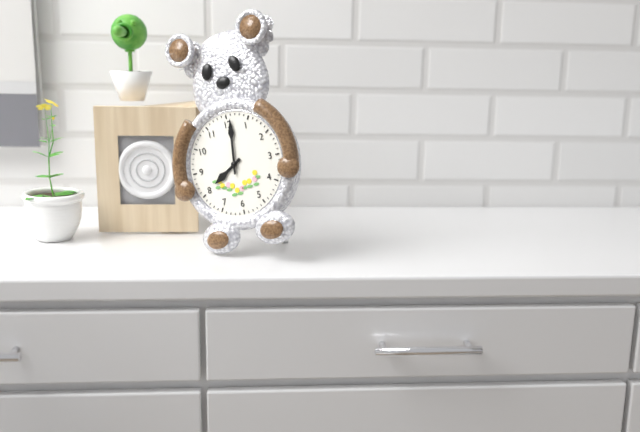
{"hour": 8, "minute": 1}
